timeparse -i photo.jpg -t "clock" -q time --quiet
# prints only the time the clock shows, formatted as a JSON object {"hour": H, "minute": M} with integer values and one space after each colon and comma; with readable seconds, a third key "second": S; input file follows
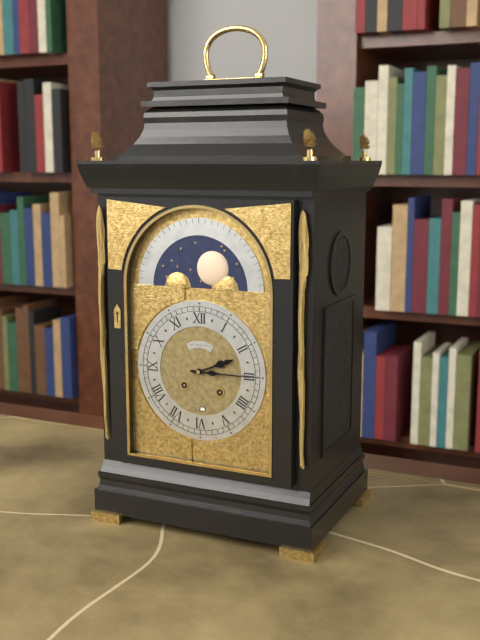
{"hour": 2, "minute": 15}
